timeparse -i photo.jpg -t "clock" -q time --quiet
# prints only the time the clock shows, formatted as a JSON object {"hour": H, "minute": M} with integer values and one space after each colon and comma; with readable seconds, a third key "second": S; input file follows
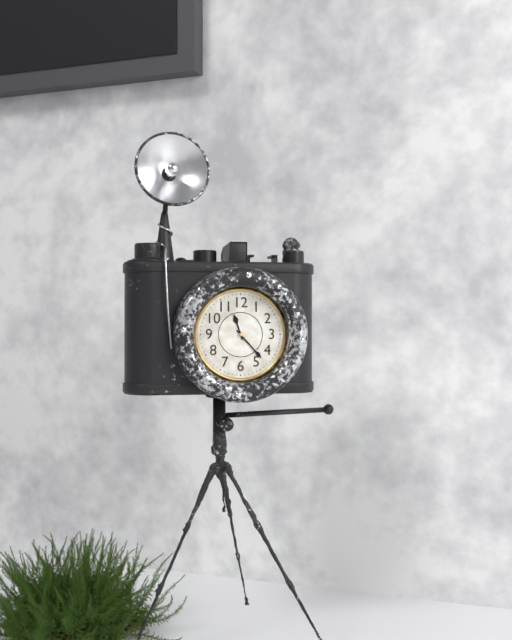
{"hour": 11, "minute": 23}
